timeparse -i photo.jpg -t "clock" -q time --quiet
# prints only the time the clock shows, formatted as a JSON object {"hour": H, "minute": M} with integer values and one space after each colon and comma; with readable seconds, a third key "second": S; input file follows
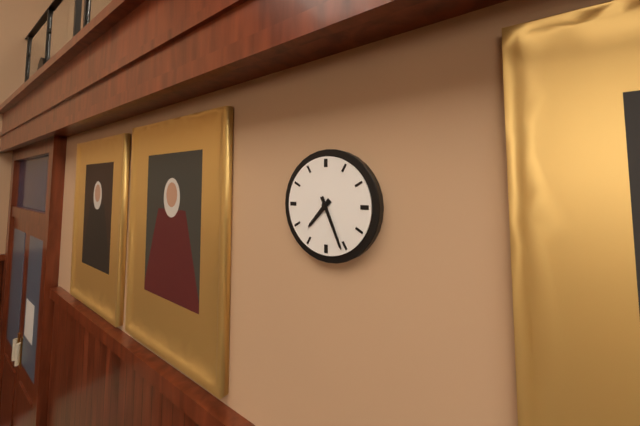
{"hour": 7, "minute": 26}
